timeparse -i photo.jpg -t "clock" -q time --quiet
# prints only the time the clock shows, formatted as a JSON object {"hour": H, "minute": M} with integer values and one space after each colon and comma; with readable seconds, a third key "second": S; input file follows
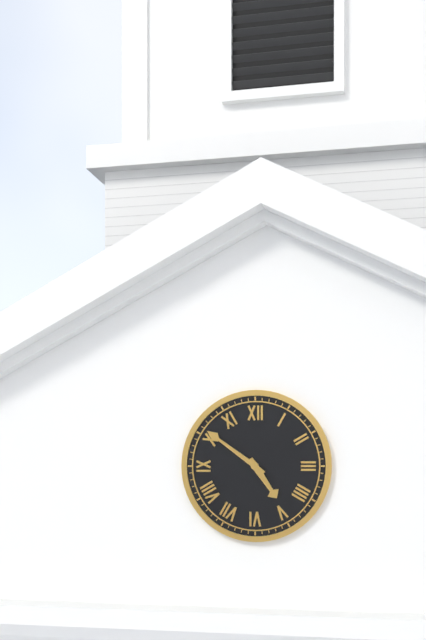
{"hour": 4, "minute": 51}
